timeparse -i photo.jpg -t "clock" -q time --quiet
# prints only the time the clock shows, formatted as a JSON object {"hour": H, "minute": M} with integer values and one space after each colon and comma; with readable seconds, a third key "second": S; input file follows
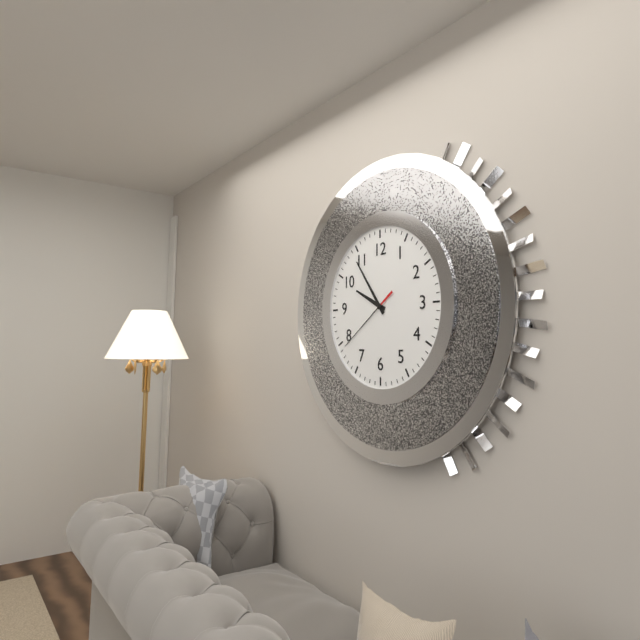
{"hour": 9, "minute": 54, "second": 39}
